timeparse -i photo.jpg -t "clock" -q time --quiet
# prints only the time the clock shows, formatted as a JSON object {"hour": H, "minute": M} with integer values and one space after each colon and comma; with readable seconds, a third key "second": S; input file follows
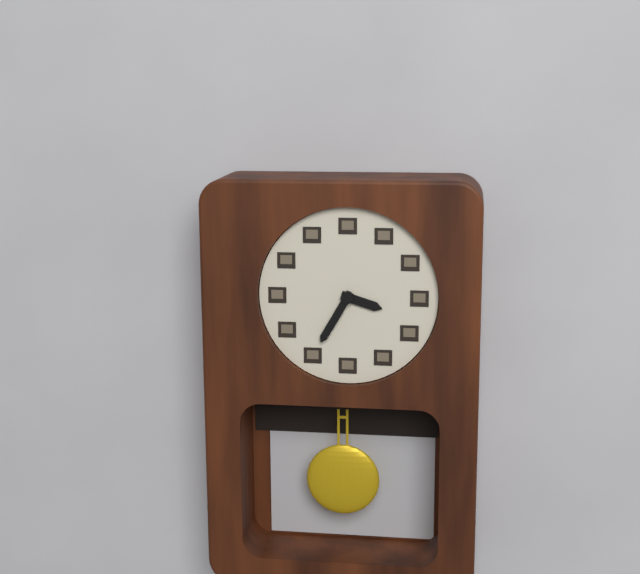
{"hour": 3, "minute": 35}
